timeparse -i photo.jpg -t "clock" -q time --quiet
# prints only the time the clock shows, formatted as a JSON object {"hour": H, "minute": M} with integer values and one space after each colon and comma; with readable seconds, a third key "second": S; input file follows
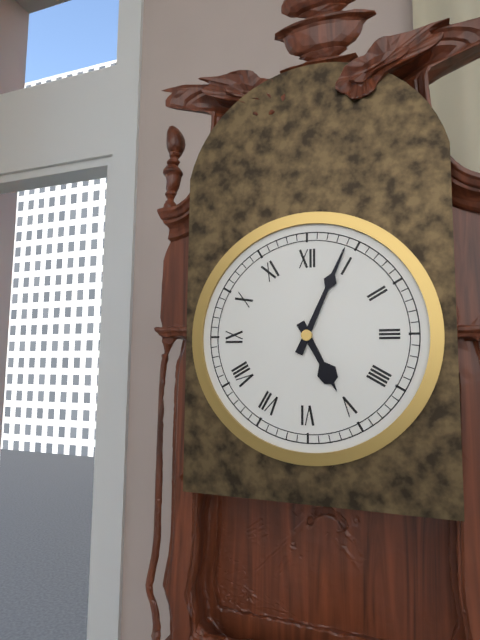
{"hour": 5, "minute": 4}
